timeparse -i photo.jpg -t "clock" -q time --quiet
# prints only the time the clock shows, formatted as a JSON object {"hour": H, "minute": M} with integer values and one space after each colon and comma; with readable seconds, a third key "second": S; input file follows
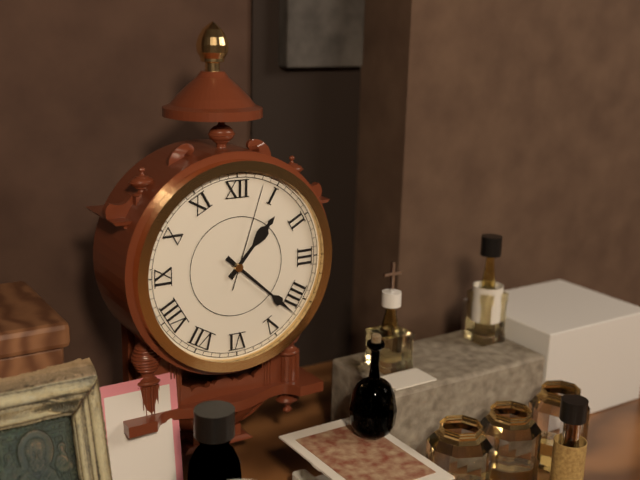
{"hour": 1, "minute": 22, "second": 3}
